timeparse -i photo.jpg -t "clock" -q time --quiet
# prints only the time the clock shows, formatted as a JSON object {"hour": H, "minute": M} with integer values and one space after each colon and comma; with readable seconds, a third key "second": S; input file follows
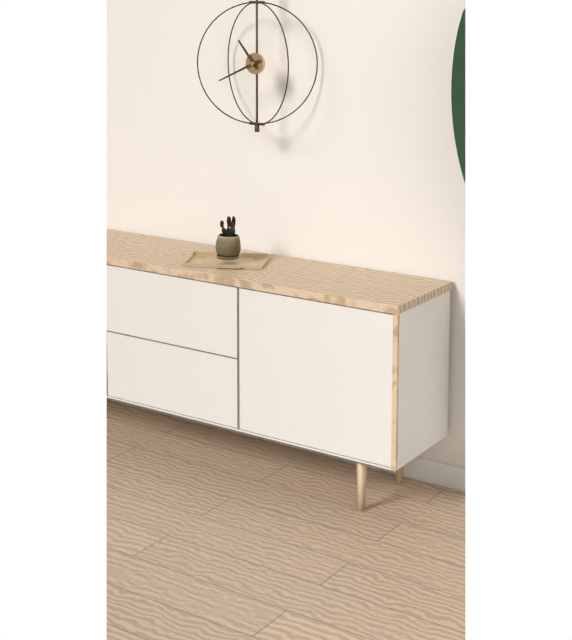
{"hour": 10, "minute": 41}
